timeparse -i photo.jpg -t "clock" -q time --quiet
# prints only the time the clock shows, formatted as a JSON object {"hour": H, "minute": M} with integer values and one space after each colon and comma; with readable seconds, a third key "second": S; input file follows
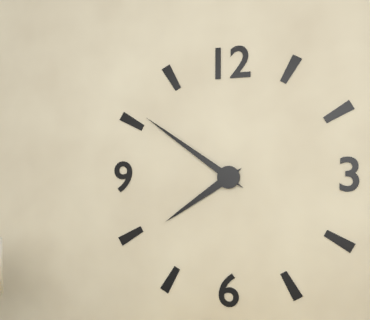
{"hour": 7, "minute": 51}
